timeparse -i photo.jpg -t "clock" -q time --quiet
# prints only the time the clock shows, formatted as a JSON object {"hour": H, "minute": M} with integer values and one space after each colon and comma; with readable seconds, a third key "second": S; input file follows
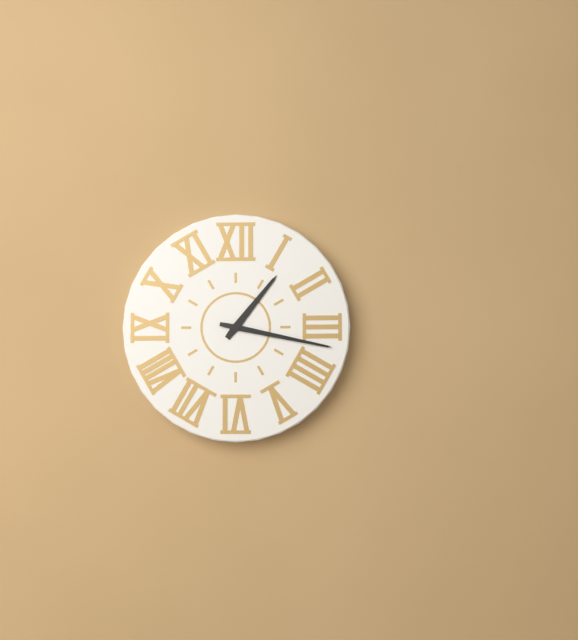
{"hour": 1, "minute": 17}
